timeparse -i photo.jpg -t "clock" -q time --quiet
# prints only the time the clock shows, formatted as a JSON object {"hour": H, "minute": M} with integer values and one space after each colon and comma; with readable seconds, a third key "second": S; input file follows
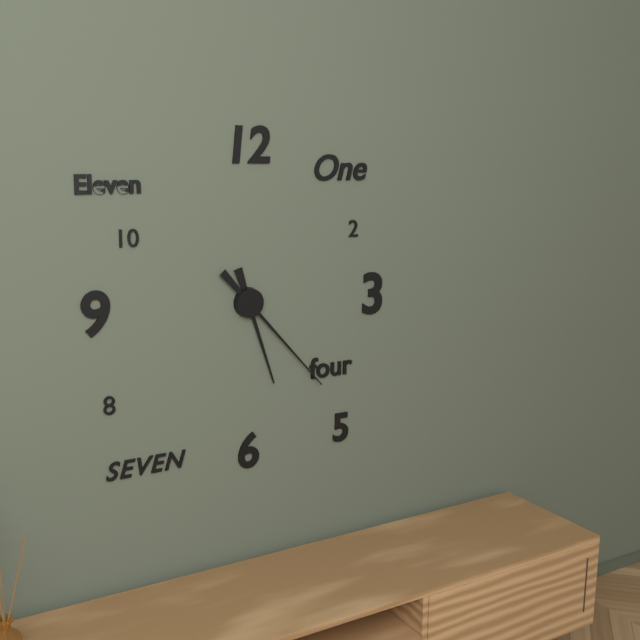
{"hour": 5, "minute": 23}
